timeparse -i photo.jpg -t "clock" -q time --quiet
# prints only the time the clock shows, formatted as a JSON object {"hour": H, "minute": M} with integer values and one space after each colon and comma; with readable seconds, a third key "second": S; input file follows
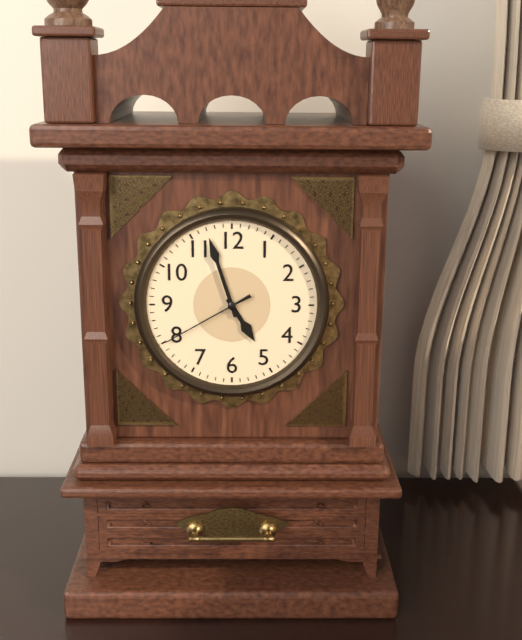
{"hour": 4, "minute": 57, "second": 40}
